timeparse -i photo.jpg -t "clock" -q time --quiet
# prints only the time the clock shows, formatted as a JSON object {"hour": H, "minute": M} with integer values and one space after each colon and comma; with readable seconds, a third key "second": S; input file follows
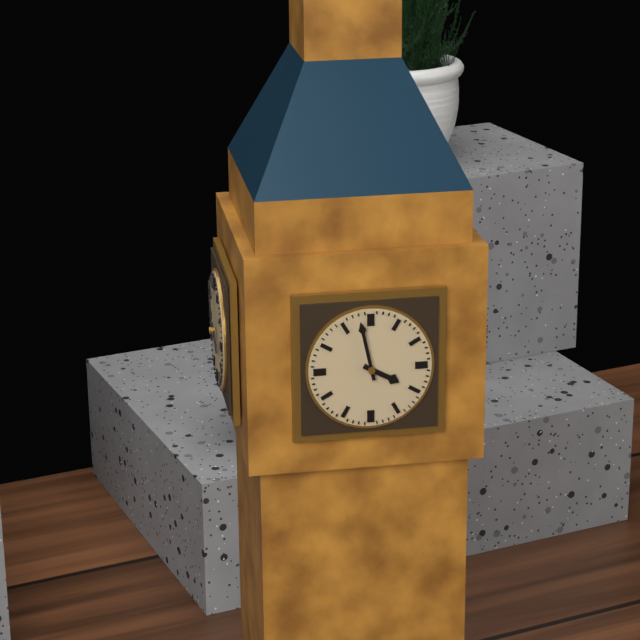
{"hour": 3, "minute": 58}
